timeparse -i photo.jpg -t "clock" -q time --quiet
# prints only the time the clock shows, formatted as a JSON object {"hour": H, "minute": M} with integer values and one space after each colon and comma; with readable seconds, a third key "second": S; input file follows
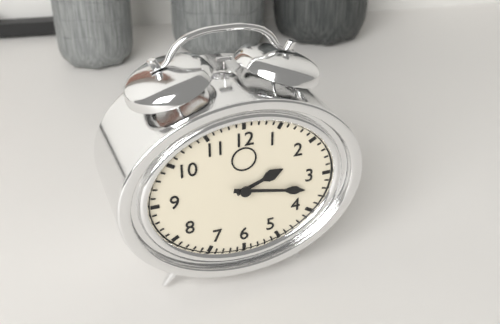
{"hour": 2, "minute": 17}
